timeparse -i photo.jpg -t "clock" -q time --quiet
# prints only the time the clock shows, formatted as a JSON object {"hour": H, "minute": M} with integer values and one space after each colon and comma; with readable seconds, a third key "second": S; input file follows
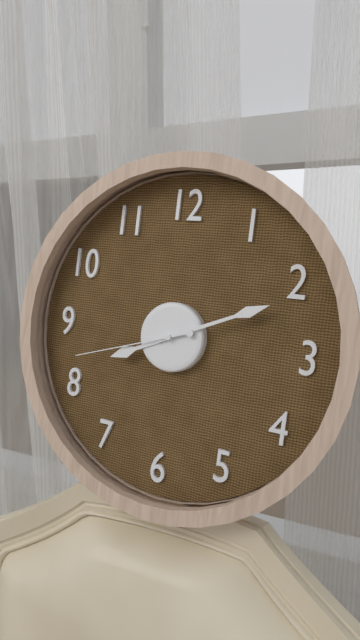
{"hour": 8, "minute": 11, "second": 42}
